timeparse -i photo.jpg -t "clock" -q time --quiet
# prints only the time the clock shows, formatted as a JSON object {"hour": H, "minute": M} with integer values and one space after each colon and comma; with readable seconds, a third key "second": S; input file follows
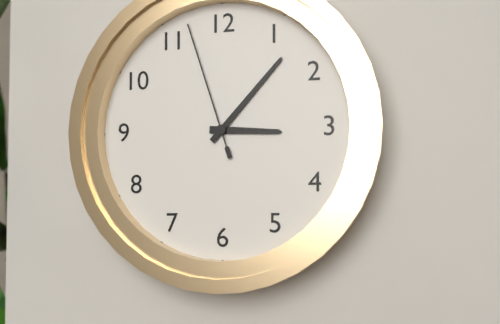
{"hour": 3, "minute": 7, "second": 57}
